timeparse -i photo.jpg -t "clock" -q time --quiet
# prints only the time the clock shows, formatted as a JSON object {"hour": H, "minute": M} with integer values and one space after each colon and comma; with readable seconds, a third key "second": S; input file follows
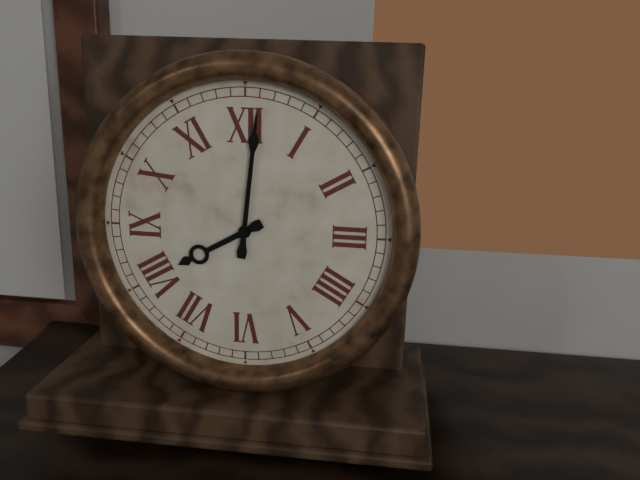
{"hour": 8, "minute": 1}
